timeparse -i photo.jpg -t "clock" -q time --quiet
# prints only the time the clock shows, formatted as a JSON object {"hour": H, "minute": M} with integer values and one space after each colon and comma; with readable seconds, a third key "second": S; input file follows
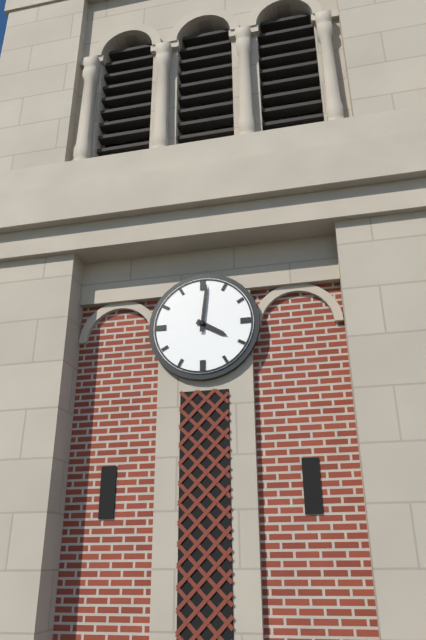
{"hour": 4, "minute": 1}
